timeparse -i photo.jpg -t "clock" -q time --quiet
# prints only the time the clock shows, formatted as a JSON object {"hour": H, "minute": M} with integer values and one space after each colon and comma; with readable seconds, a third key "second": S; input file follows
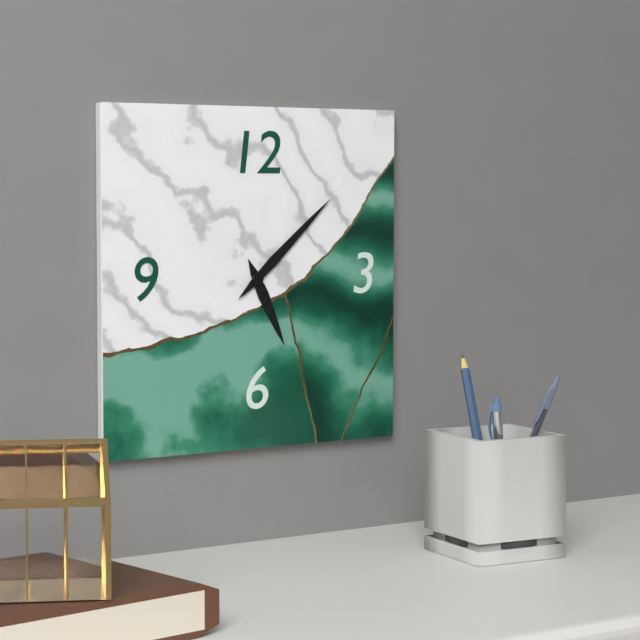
{"hour": 5, "minute": 8}
